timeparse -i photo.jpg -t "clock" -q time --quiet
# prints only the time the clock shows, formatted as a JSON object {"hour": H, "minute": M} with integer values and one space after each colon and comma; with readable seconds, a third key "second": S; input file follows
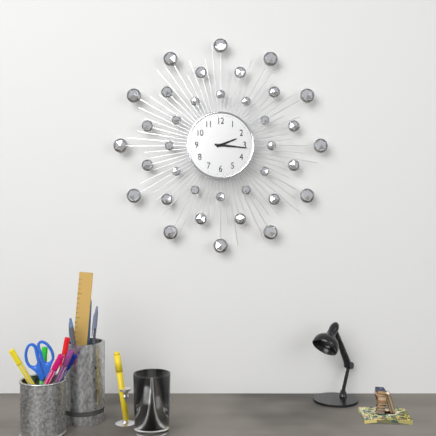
{"hour": 2, "minute": 16}
